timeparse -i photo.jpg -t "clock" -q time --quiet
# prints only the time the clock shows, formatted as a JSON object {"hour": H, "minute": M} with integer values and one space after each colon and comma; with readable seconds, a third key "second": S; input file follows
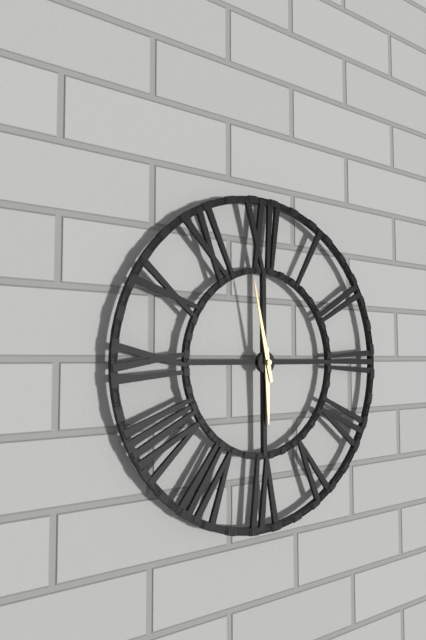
{"hour": 5, "minute": 58}
